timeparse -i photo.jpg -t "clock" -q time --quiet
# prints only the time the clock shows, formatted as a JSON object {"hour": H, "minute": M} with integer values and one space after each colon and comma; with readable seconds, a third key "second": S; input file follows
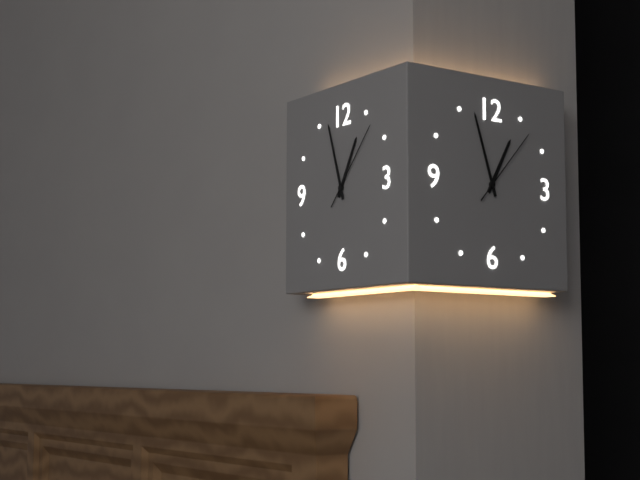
{"hour": 12, "minute": 57, "second": 7}
